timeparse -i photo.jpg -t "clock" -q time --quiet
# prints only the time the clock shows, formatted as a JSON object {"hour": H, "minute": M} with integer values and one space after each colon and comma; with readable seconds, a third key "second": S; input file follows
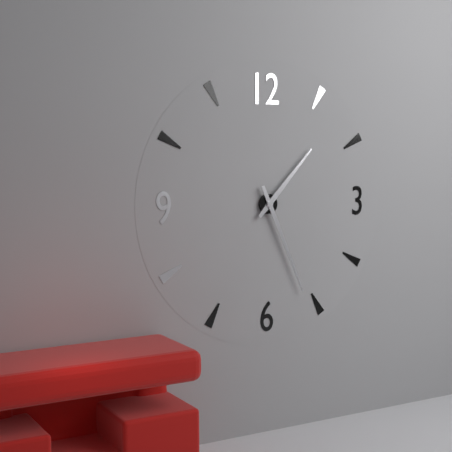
{"hour": 1, "minute": 26}
